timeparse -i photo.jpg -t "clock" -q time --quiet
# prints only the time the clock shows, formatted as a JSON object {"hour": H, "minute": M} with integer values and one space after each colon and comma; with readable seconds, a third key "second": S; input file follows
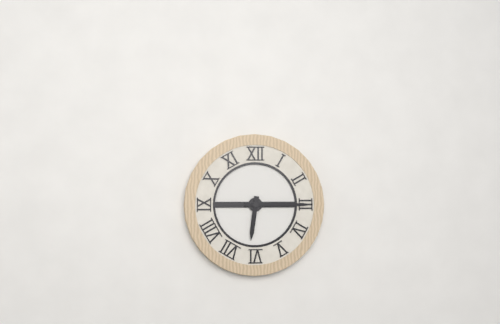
{"hour": 6, "minute": 15}
